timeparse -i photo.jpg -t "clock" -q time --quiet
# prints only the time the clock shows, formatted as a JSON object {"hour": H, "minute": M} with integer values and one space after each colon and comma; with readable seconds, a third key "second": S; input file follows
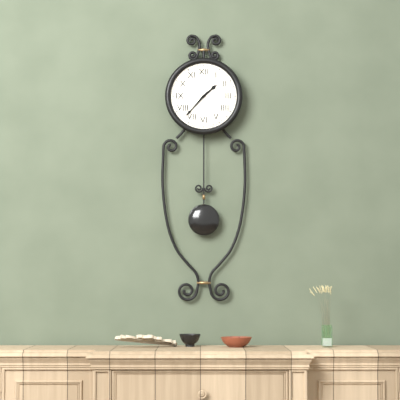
{"hour": 1, "minute": 37}
